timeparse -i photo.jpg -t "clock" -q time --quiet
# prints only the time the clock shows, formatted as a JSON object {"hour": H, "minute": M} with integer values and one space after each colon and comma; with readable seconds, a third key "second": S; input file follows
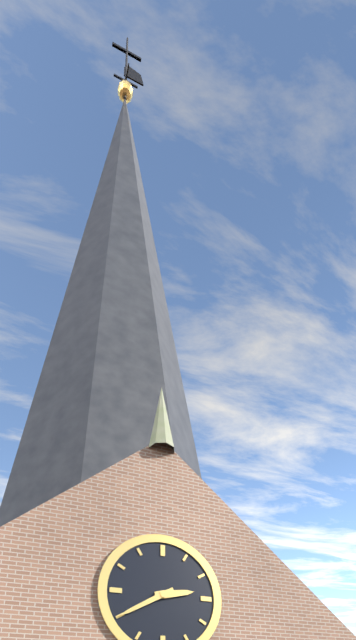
{"hour": 2, "minute": 40}
